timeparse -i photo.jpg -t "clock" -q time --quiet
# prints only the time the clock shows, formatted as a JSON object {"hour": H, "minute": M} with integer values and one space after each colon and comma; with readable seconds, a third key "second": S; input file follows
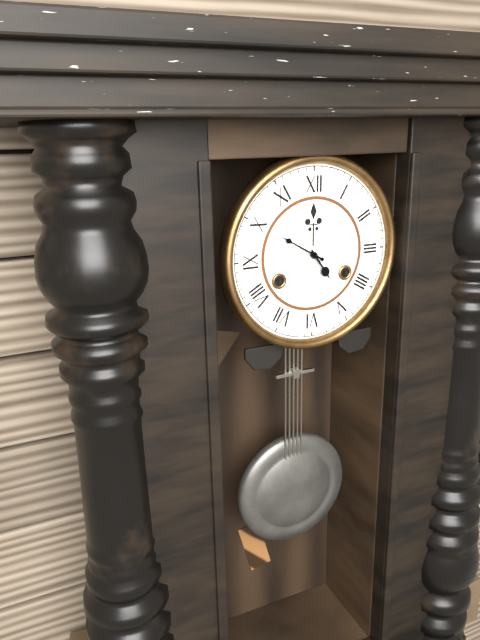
{"hour": 4, "minute": 50}
